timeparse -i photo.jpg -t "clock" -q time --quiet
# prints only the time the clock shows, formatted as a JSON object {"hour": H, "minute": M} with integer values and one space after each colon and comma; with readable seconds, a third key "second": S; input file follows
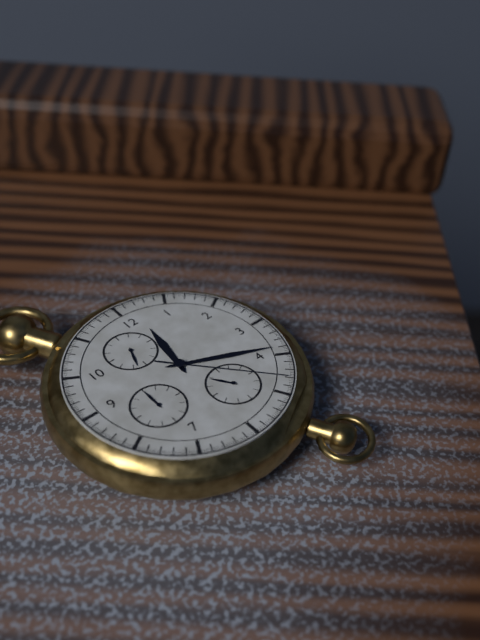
{"hour": 12, "minute": 19, "second": 23}
